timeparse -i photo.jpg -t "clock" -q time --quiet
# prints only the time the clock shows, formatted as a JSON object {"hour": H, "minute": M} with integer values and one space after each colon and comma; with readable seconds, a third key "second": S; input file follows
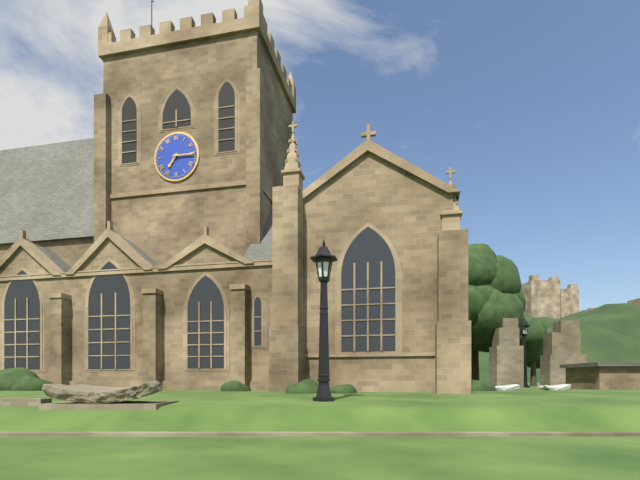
{"hour": 7, "minute": 15}
